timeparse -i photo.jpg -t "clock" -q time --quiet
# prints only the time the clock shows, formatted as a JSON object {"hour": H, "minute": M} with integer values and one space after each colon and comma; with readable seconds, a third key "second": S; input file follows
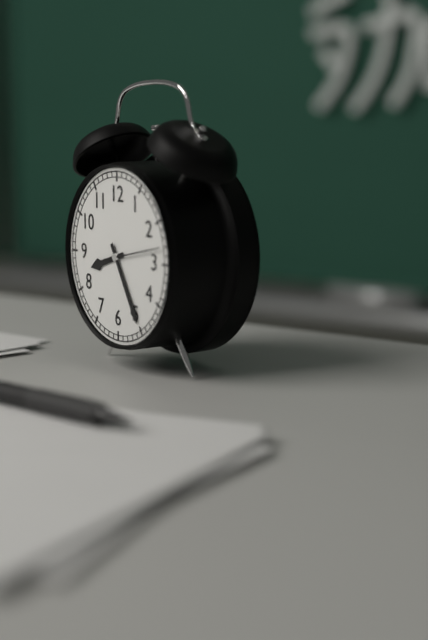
{"hour": 8, "minute": 25}
